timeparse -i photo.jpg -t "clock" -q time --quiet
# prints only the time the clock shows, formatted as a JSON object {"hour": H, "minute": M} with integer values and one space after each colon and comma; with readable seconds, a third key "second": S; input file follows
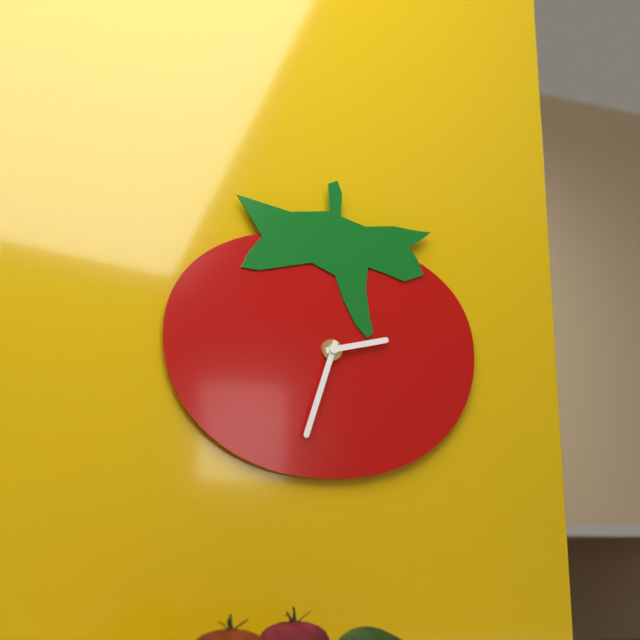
{"hour": 2, "minute": 33}
